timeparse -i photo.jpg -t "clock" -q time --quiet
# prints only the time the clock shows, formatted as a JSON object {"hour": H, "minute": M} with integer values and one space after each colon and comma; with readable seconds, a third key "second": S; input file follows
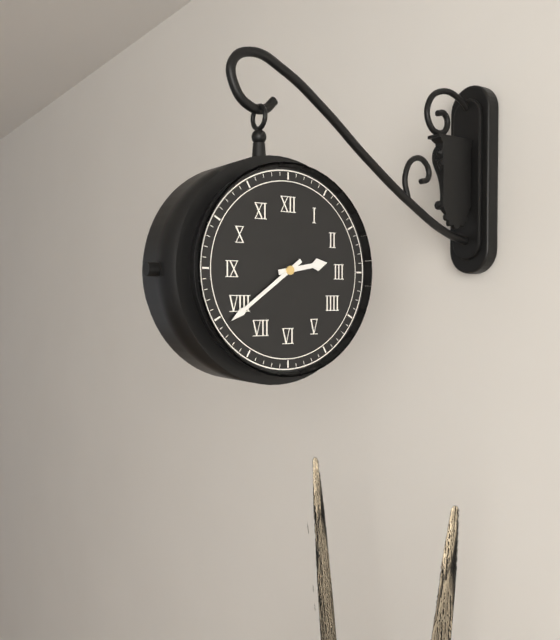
{"hour": 2, "minute": 39}
